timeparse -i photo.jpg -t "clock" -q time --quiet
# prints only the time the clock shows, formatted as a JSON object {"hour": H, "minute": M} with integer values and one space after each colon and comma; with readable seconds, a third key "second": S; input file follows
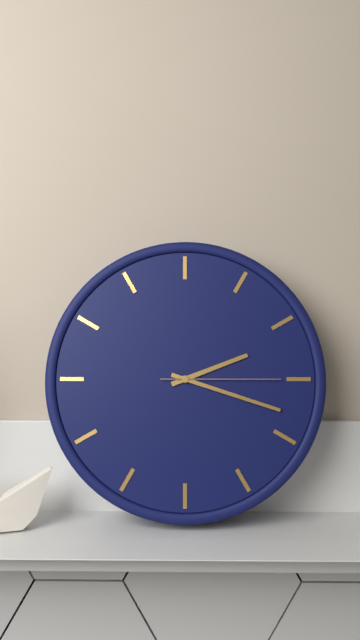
{"hour": 2, "minute": 18, "second": 15}
